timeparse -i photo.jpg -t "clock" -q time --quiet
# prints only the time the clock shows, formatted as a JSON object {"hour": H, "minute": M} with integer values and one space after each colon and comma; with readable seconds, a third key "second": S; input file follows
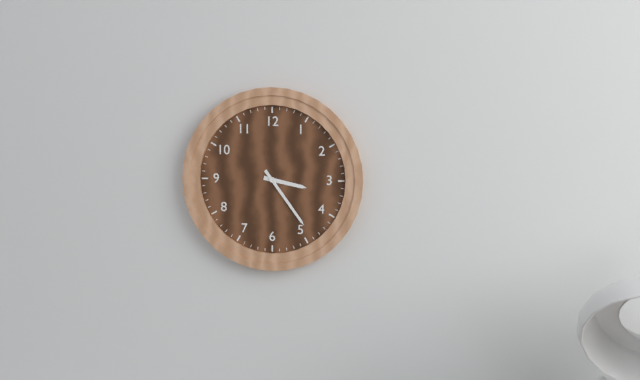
{"hour": 3, "minute": 24}
